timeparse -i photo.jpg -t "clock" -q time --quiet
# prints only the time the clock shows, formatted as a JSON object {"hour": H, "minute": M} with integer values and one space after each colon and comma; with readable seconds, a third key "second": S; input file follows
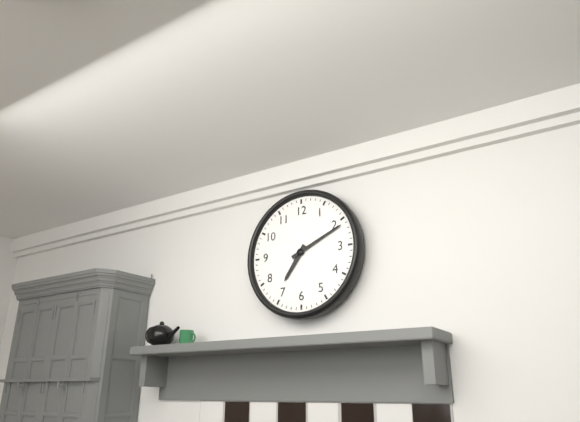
{"hour": 7, "minute": 11}
